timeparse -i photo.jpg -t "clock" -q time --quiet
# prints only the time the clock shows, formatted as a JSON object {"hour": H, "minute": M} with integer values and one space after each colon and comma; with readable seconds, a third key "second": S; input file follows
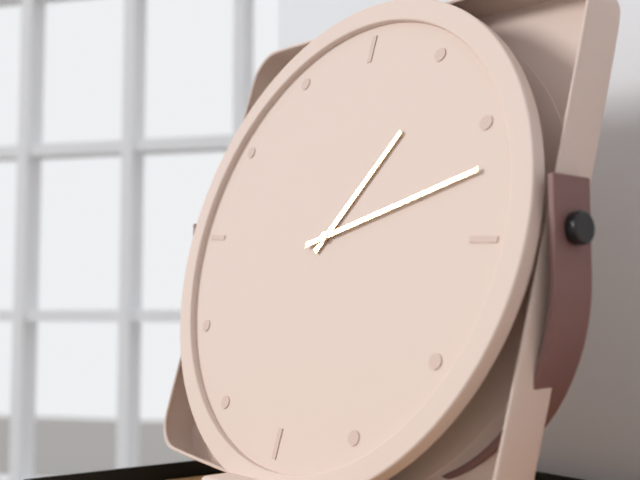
{"hour": 1, "minute": 12}
